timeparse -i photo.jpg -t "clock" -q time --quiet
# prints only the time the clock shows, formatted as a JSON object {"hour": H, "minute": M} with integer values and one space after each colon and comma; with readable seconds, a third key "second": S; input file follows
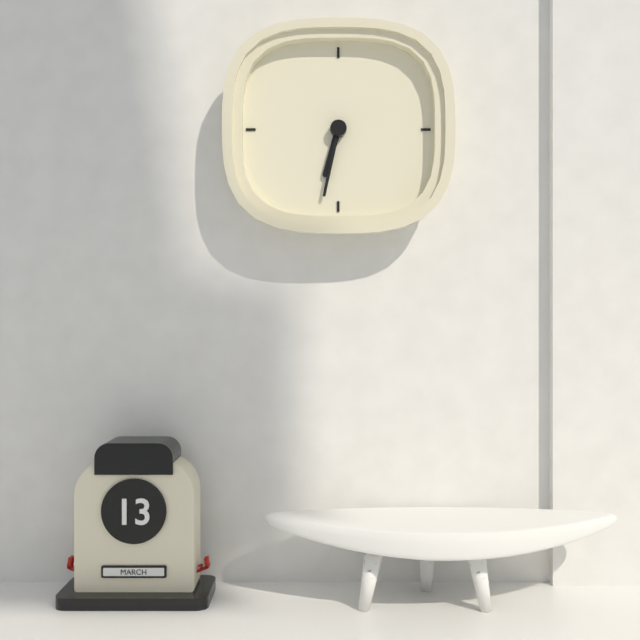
{"hour": 6, "minute": 32}
